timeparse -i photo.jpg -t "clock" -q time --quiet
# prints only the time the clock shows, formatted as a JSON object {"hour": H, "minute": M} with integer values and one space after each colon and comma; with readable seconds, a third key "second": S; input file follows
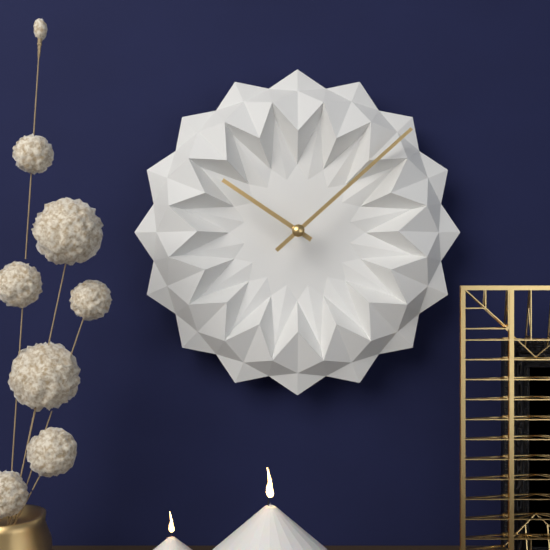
{"hour": 10, "minute": 8}
